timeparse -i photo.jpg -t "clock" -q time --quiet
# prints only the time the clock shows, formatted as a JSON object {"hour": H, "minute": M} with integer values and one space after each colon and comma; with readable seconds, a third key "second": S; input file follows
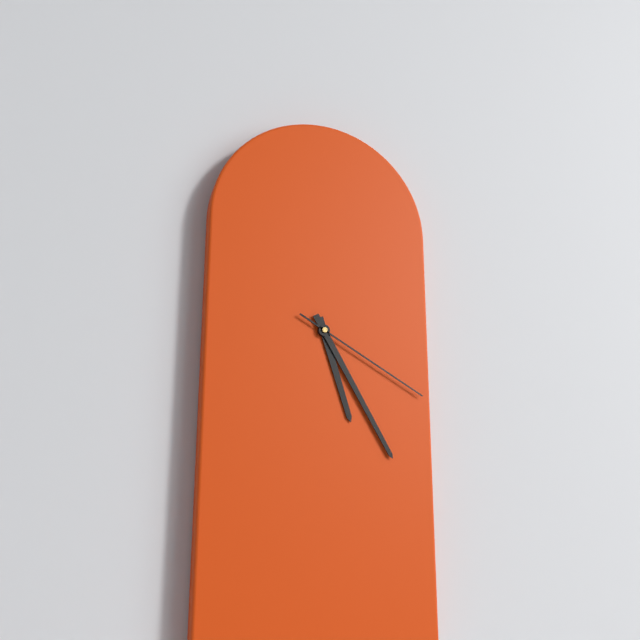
{"hour": 5, "minute": 25, "second": 20}
